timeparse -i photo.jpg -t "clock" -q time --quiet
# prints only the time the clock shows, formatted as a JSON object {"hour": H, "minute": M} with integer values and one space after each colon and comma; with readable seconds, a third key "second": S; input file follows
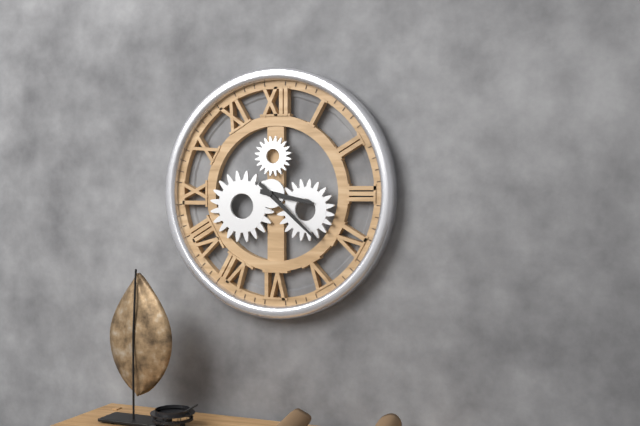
{"hour": 3, "minute": 22}
